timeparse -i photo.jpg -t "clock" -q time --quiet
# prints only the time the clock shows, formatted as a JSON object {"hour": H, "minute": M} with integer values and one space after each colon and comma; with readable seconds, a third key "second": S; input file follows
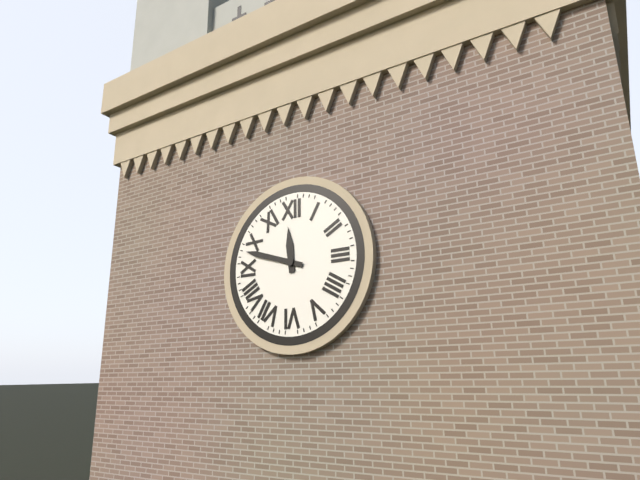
{"hour": 11, "minute": 48}
